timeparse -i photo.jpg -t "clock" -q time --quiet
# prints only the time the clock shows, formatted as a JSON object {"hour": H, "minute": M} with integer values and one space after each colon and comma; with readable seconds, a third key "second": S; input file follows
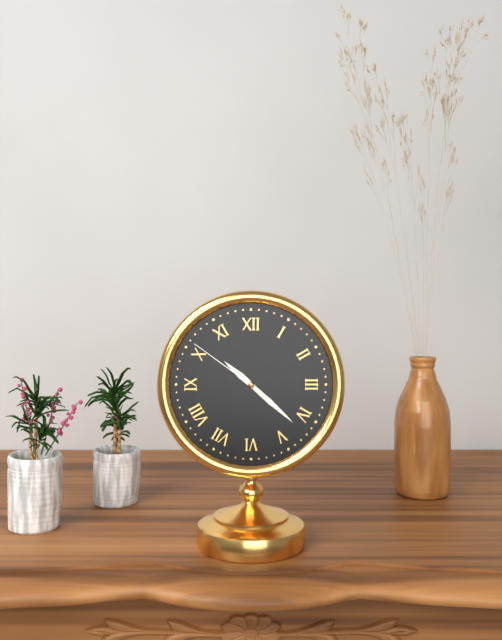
{"hour": 10, "minute": 22, "second": 51}
